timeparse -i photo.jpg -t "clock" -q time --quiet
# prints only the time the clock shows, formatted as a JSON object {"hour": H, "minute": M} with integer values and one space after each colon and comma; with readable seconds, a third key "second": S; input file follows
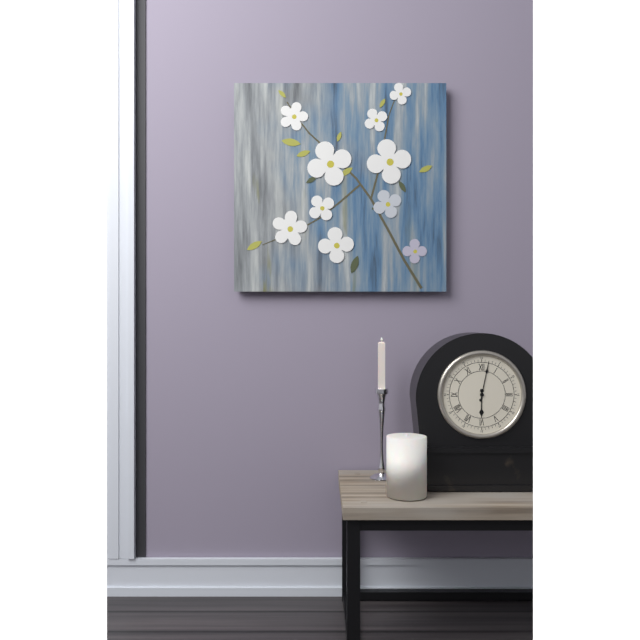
{"hour": 6, "minute": 2}
